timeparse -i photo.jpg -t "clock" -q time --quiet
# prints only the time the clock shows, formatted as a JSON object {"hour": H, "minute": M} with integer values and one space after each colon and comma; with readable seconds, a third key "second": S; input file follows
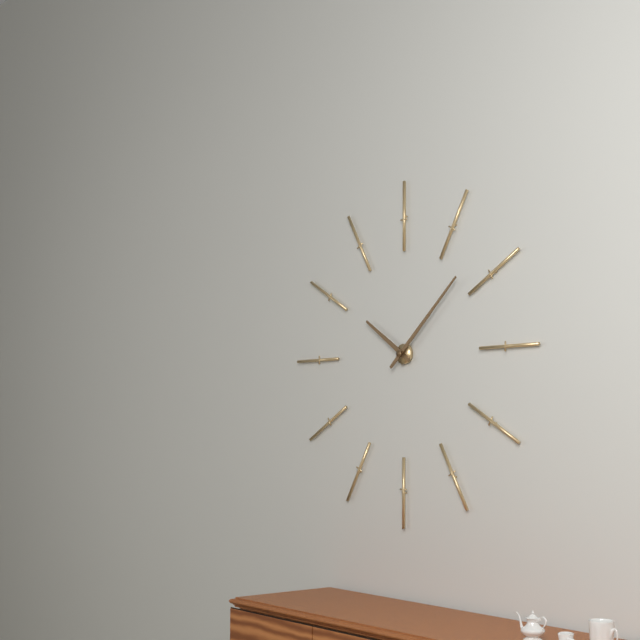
{"hour": 10, "minute": 8}
